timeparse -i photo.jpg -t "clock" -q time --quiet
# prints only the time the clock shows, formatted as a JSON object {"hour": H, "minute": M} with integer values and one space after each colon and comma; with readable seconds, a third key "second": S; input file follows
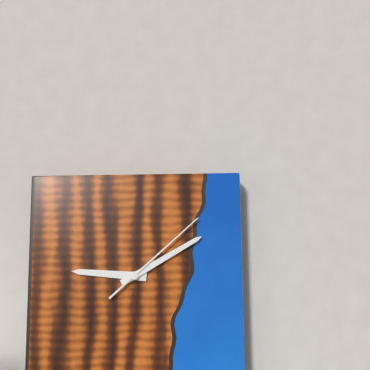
{"hour": 9, "minute": 10, "second": 8}
